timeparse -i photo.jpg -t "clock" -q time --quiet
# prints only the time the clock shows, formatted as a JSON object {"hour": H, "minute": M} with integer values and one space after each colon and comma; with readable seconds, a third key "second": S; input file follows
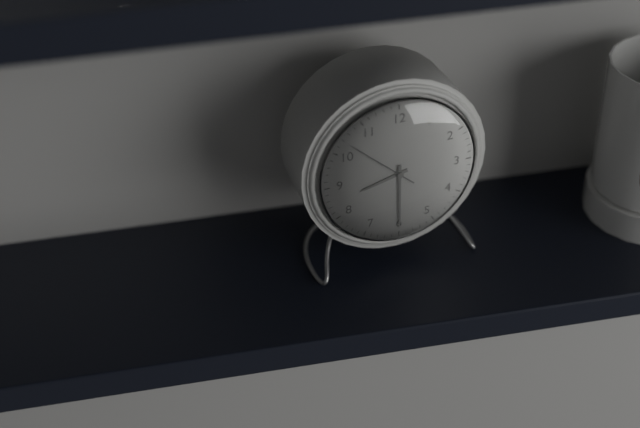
{"hour": 8, "minute": 30, "second": 52}
